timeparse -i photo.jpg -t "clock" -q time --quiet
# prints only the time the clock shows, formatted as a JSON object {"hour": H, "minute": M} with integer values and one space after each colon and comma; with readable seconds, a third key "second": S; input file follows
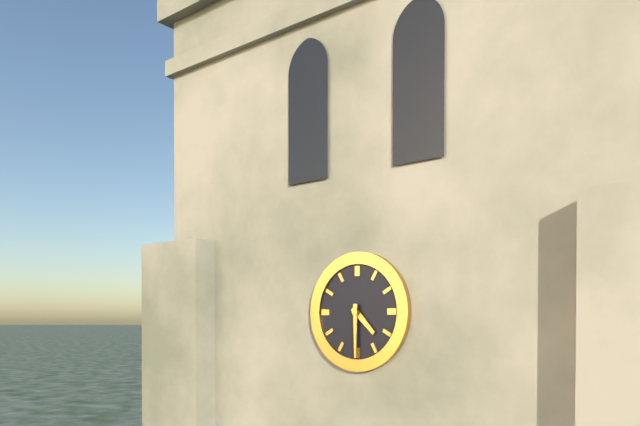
{"hour": 4, "minute": 30}
